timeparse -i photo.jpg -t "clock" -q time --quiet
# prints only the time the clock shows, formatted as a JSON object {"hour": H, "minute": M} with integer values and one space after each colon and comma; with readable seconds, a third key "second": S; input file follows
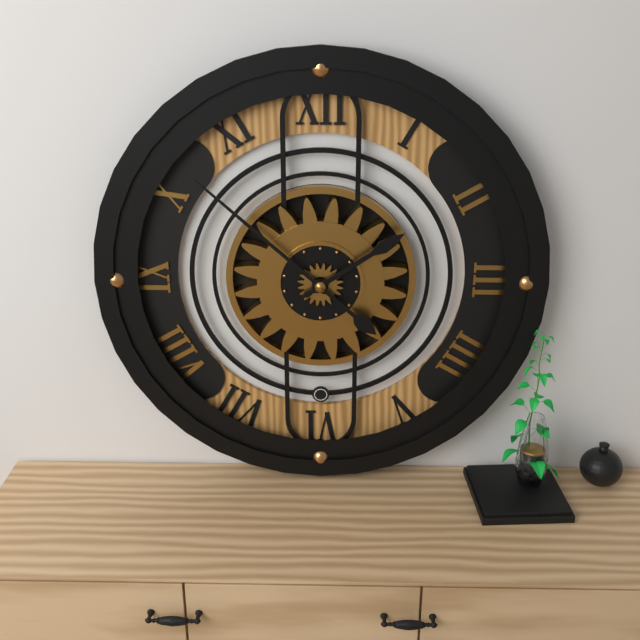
{"hour": 1, "minute": 52}
